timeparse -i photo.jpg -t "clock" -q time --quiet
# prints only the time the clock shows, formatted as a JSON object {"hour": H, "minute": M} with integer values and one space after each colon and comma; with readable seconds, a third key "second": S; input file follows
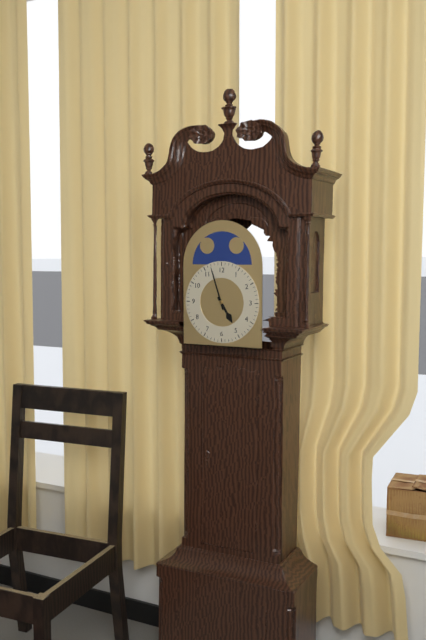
{"hour": 4, "minute": 57}
